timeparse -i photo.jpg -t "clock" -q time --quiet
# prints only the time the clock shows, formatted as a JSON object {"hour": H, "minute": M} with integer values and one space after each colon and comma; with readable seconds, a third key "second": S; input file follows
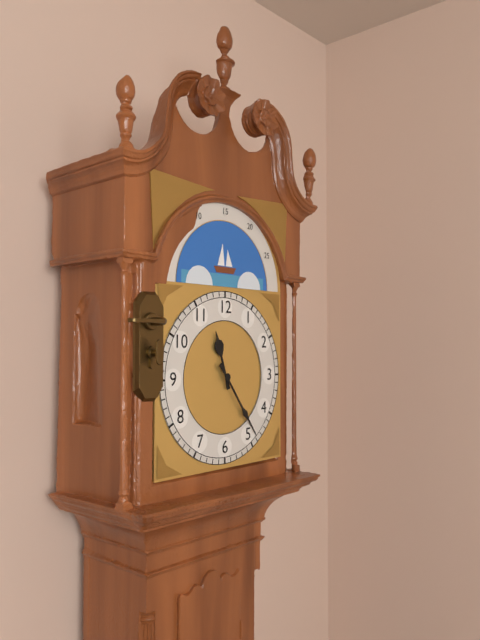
{"hour": 11, "minute": 24}
